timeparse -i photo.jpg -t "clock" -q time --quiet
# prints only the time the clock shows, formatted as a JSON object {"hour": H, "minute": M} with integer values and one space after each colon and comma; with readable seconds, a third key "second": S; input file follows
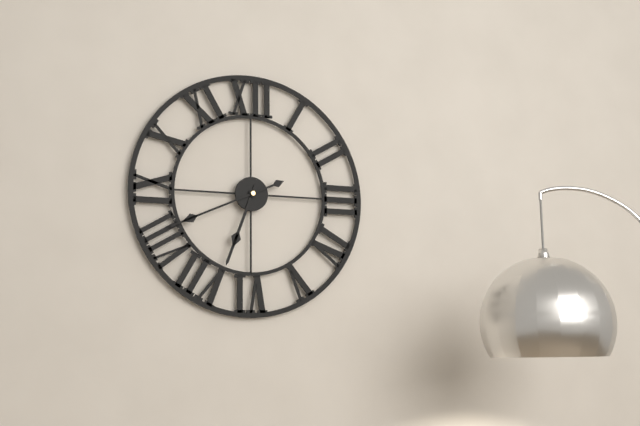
{"hour": 6, "minute": 41}
